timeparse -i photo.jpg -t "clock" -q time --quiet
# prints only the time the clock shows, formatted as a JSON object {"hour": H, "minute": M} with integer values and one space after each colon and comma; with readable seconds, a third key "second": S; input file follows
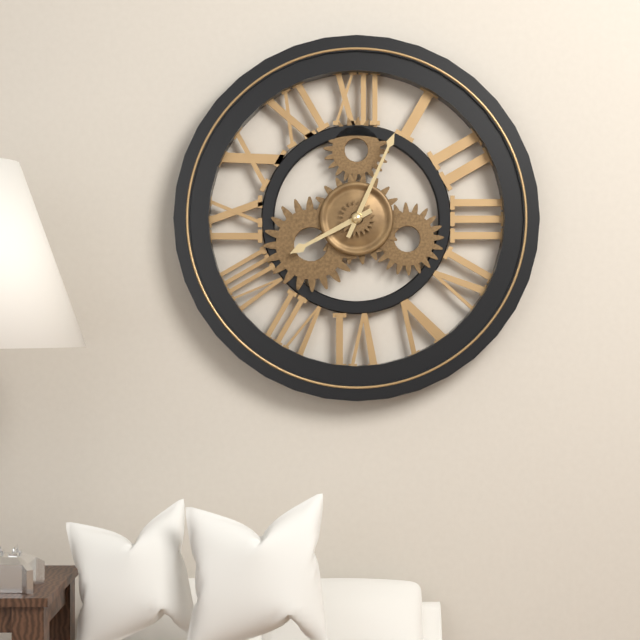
{"hour": 8, "minute": 4}
